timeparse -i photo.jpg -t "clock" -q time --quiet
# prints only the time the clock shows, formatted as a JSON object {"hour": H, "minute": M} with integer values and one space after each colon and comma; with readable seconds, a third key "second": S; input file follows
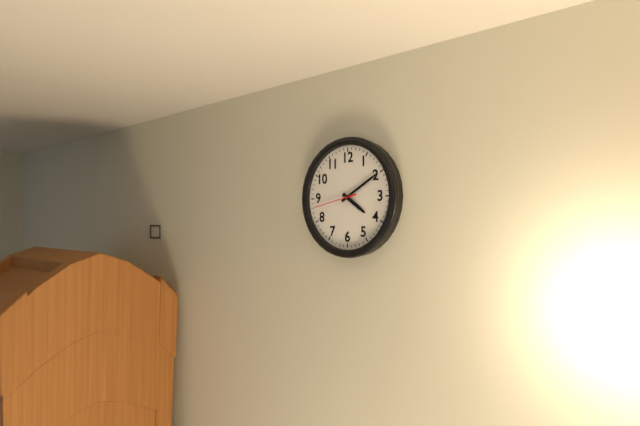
{"hour": 4, "minute": 10}
